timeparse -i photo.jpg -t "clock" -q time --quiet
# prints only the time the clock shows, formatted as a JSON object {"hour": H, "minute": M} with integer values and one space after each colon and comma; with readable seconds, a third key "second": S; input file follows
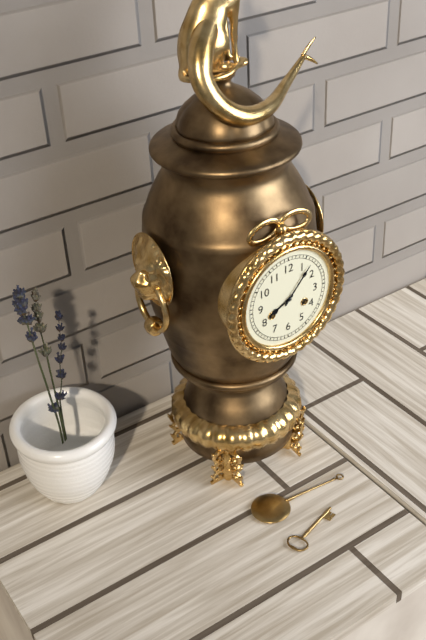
{"hour": 8, "minute": 7}
